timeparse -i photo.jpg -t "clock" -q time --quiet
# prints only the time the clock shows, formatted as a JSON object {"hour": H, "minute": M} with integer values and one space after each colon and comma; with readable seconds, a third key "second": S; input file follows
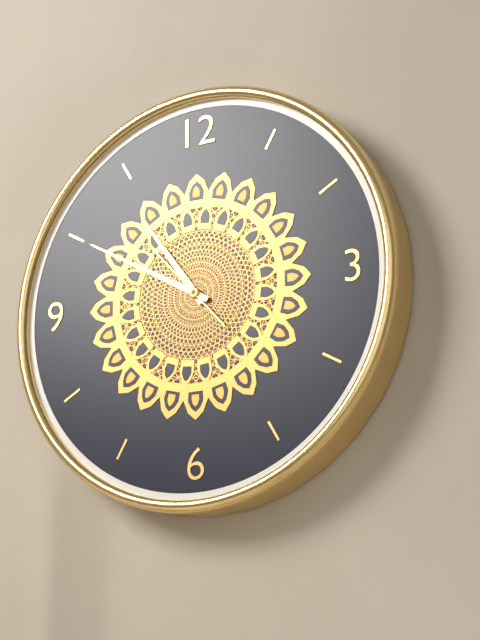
{"hour": 10, "minute": 50, "second": 53}
